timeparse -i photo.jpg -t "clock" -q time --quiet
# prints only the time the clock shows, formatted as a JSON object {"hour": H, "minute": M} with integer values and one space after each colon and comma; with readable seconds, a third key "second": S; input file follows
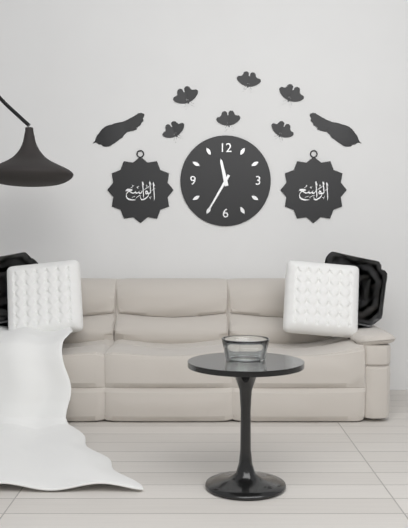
{"hour": 11, "minute": 35}
